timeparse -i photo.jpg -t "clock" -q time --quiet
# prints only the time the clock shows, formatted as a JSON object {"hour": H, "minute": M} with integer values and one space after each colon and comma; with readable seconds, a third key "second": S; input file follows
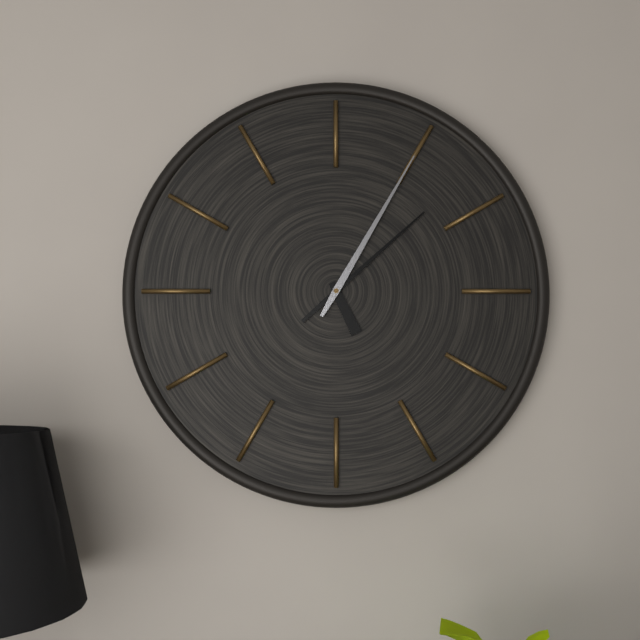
{"hour": 5, "minute": 8, "second": 5}
